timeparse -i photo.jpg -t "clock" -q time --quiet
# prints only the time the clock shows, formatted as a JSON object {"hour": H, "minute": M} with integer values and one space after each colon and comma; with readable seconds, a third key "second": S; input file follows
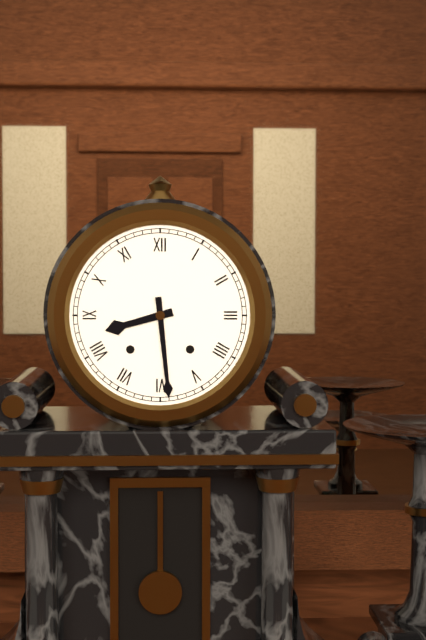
{"hour": 8, "minute": 29}
